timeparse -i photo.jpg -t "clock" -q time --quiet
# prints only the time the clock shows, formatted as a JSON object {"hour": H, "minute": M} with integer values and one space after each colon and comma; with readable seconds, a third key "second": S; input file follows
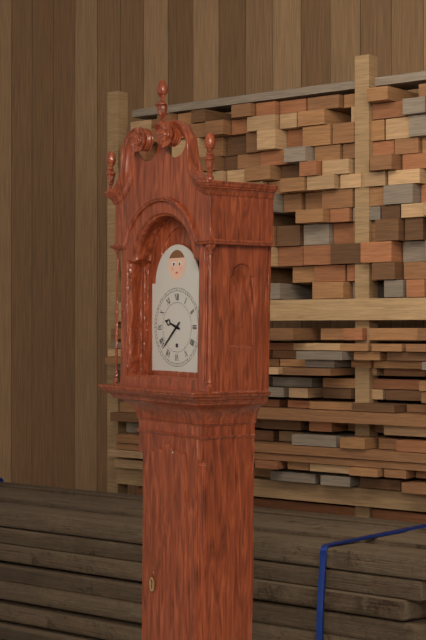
{"hour": 9, "minute": 38}
